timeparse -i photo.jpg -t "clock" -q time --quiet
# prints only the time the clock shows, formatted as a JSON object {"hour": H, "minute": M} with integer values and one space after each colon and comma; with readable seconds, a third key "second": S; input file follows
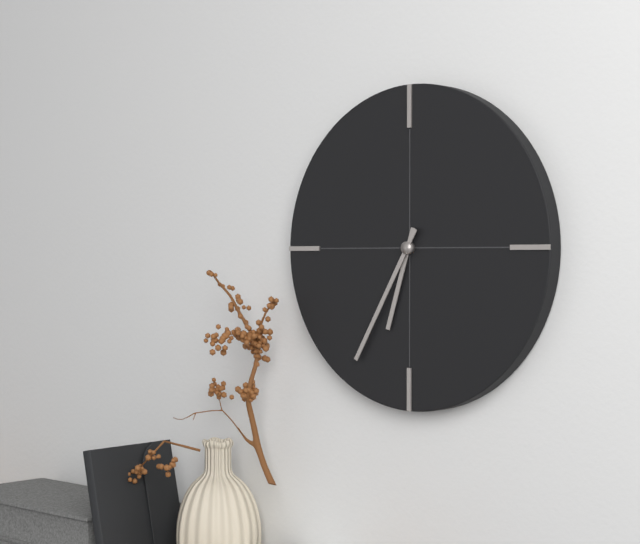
{"hour": 6, "minute": 35}
